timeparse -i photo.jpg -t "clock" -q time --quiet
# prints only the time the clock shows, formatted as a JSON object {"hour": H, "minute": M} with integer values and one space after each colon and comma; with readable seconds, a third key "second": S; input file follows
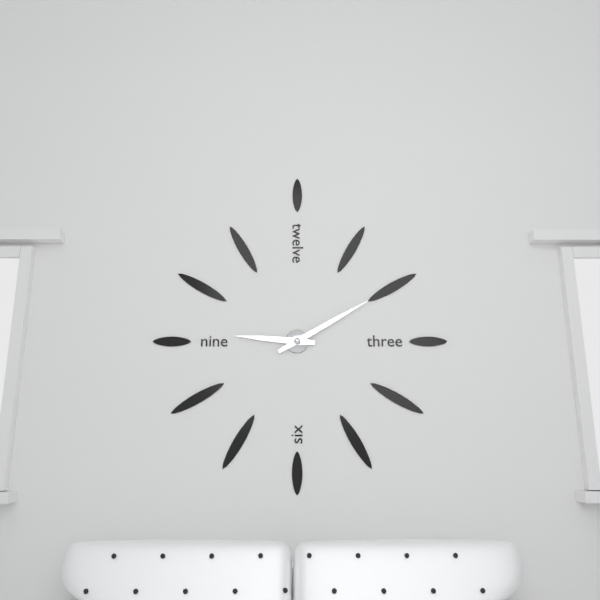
{"hour": 9, "minute": 10}
